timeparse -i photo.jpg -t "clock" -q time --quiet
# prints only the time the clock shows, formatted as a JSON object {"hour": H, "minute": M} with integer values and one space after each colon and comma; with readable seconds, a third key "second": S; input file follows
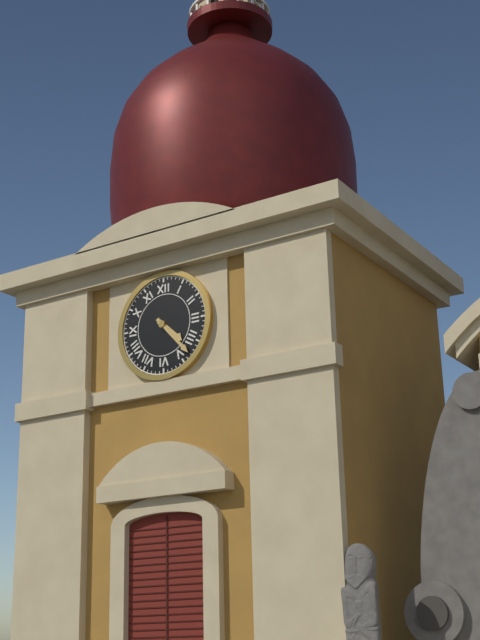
{"hour": 4, "minute": 23}
